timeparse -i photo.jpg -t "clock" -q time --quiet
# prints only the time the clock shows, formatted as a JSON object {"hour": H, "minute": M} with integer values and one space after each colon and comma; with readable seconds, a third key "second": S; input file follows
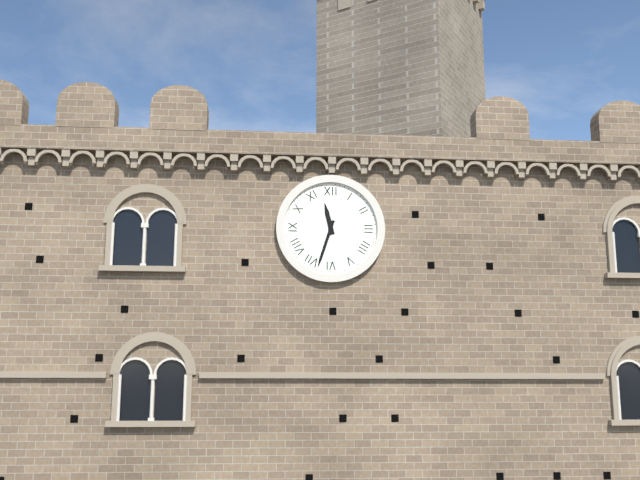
{"hour": 11, "minute": 33}
